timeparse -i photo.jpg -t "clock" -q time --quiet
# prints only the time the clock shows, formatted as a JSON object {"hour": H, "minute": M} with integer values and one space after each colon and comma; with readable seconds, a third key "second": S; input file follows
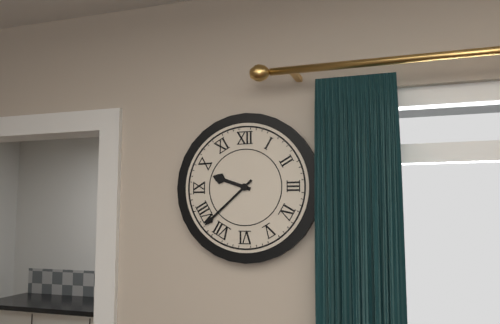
{"hour": 9, "minute": 38}
